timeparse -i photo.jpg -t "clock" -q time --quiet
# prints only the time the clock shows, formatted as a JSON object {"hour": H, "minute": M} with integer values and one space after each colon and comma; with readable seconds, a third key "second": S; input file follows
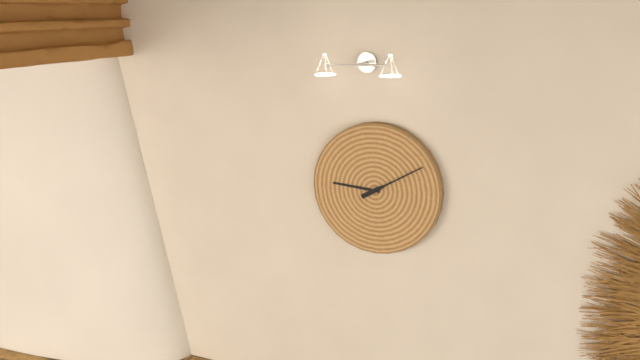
{"hour": 9, "minute": 10}
